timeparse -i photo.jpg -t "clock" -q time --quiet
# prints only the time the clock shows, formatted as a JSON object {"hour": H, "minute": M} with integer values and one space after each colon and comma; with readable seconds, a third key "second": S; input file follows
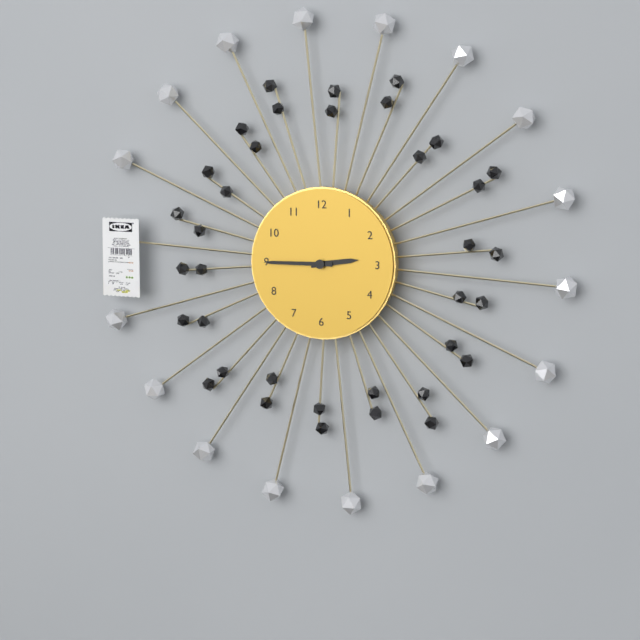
{"hour": 2, "minute": 45}
